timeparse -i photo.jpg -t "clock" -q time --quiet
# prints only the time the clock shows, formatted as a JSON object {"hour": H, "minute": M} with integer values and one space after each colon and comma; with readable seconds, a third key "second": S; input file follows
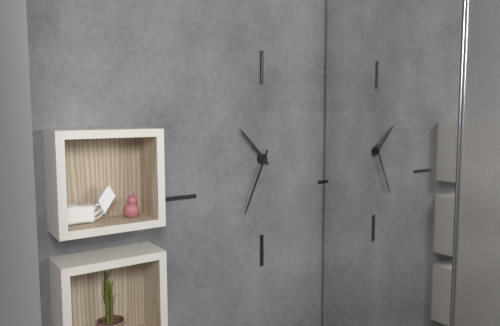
{"hour": 10, "minute": 34}
